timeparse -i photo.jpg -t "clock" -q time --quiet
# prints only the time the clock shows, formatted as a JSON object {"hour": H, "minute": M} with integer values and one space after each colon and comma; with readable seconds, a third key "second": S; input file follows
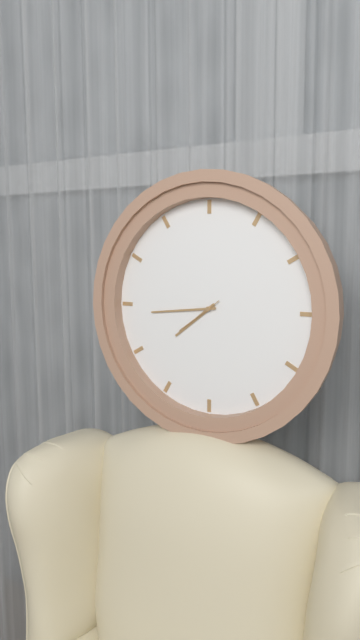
{"hour": 7, "minute": 44}
